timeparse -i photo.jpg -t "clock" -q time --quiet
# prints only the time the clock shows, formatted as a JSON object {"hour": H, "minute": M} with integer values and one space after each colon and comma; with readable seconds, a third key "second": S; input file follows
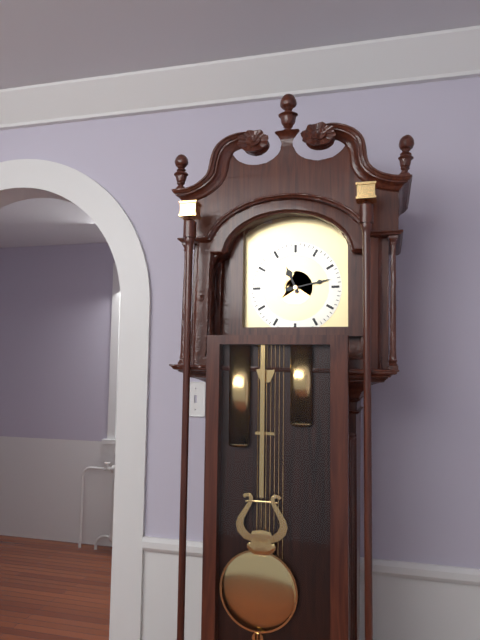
{"hour": 11, "minute": 13}
